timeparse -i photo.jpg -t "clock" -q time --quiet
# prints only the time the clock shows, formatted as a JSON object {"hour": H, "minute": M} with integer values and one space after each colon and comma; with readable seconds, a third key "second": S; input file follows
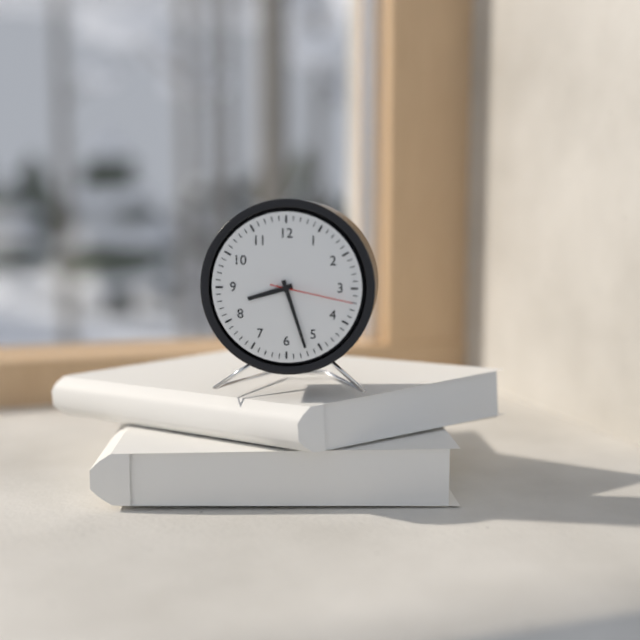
{"hour": 8, "minute": 27, "second": 17}
